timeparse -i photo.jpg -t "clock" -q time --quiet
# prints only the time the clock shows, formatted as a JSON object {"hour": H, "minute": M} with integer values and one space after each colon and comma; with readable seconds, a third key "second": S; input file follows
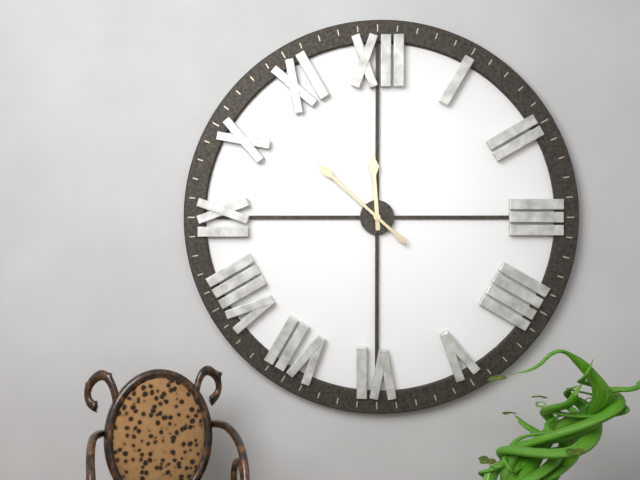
{"hour": 11, "minute": 52}
